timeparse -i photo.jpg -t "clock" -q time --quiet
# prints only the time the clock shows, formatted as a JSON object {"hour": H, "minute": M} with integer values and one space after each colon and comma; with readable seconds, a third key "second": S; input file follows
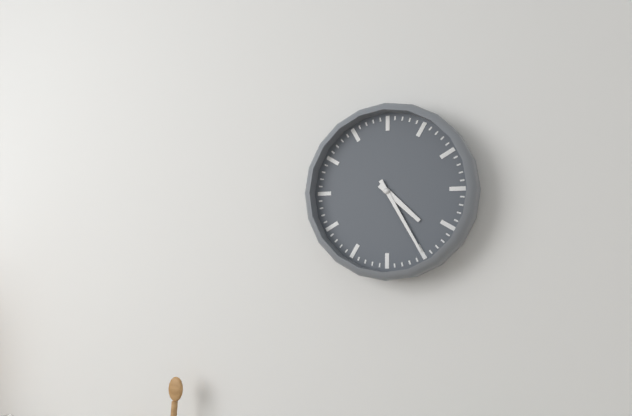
{"hour": 4, "minute": 25}
